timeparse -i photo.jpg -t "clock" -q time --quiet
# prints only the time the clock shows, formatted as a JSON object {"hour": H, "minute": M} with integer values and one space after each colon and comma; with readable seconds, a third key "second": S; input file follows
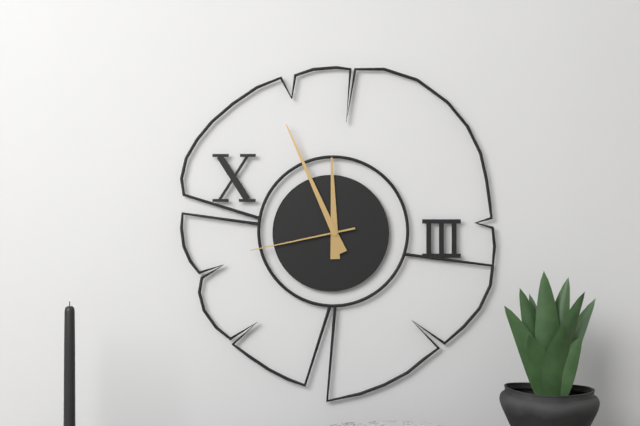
{"hour": 11, "minute": 56, "second": 43}
